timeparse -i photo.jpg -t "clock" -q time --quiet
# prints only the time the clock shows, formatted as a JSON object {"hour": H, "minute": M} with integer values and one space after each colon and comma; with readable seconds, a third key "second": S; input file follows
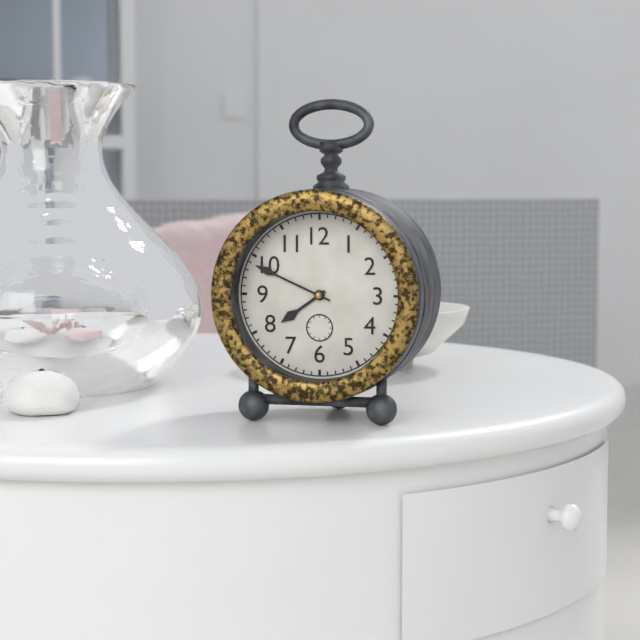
{"hour": 7, "minute": 49}
